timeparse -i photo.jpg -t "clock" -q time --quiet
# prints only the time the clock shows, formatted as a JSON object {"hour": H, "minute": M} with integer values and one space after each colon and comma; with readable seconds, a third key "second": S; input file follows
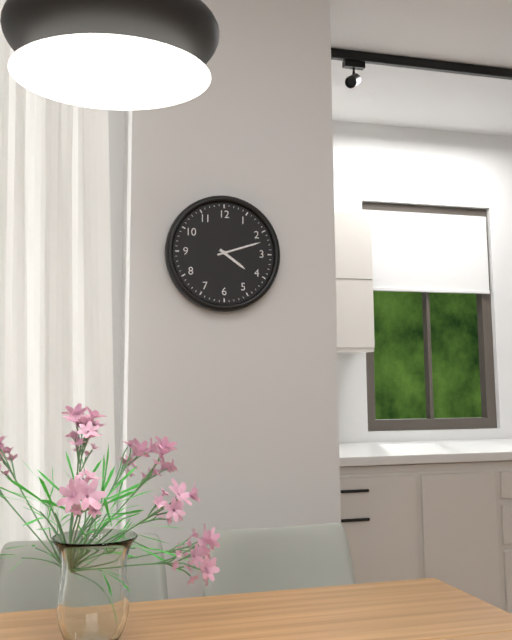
{"hour": 4, "minute": 12}
